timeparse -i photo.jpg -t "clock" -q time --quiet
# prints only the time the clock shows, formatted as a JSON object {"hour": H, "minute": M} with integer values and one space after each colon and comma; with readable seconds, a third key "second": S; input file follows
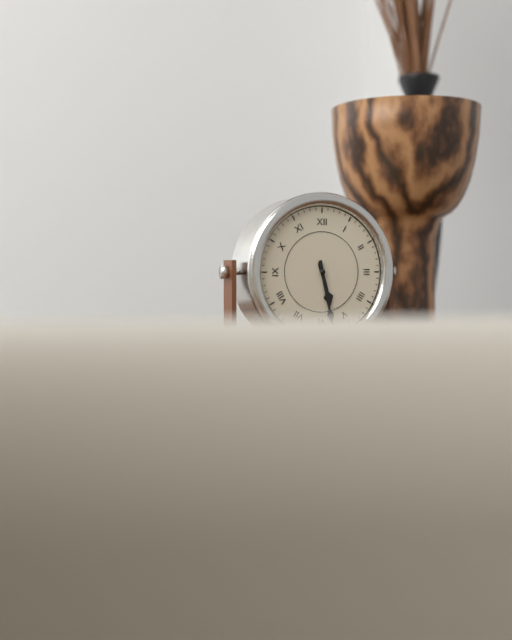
{"hour": 5, "minute": 28}
